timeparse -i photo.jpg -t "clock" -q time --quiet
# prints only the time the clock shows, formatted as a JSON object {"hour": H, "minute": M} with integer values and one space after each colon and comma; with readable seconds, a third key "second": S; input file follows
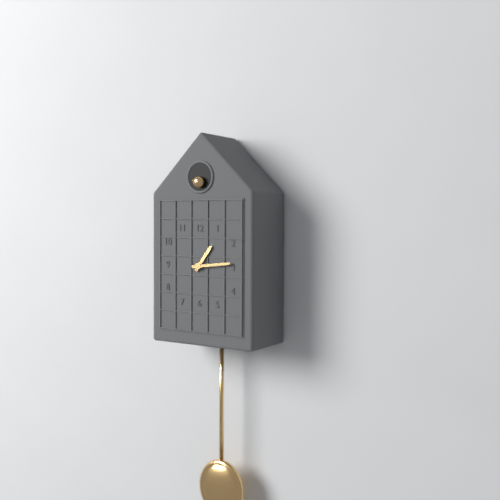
{"hour": 1, "minute": 14}
